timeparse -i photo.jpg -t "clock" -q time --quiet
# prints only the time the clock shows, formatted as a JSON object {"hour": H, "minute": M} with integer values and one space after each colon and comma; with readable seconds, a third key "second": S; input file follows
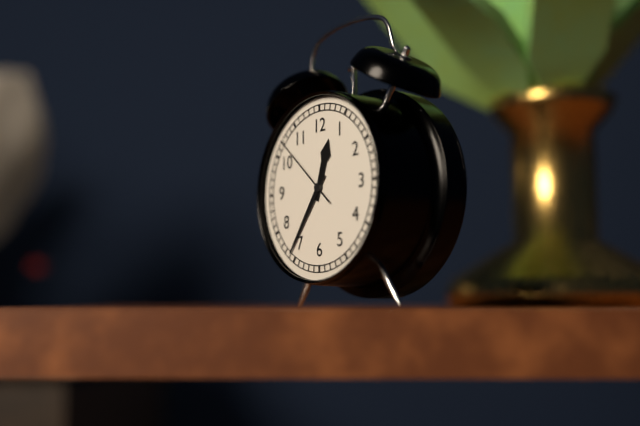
{"hour": 12, "minute": 36, "second": 52}
